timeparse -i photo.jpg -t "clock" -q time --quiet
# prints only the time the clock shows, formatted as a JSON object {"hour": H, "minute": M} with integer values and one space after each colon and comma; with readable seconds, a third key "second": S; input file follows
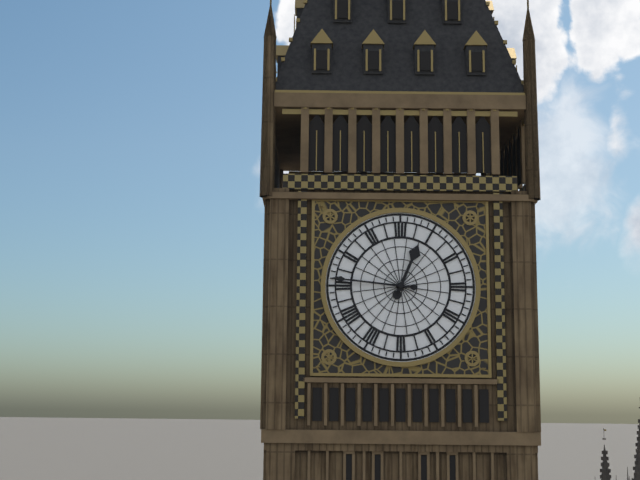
{"hour": 12, "minute": 46}
